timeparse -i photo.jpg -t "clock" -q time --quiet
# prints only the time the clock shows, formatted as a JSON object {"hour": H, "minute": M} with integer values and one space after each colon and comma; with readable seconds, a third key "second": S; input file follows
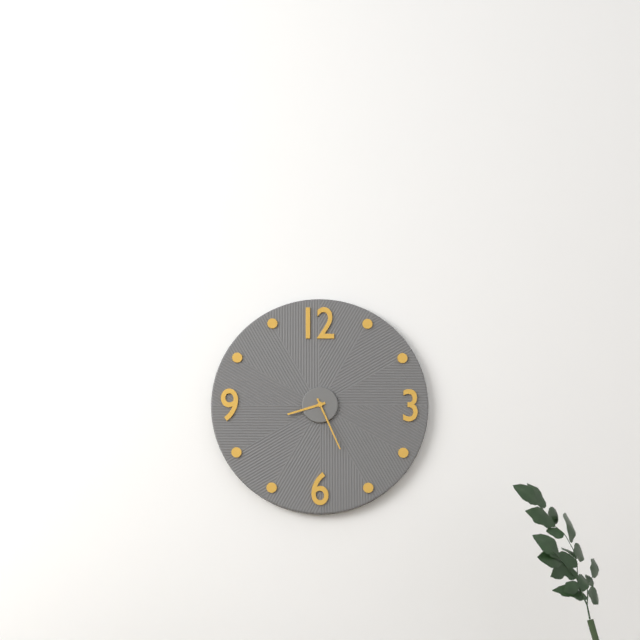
{"hour": 8, "minute": 26}
